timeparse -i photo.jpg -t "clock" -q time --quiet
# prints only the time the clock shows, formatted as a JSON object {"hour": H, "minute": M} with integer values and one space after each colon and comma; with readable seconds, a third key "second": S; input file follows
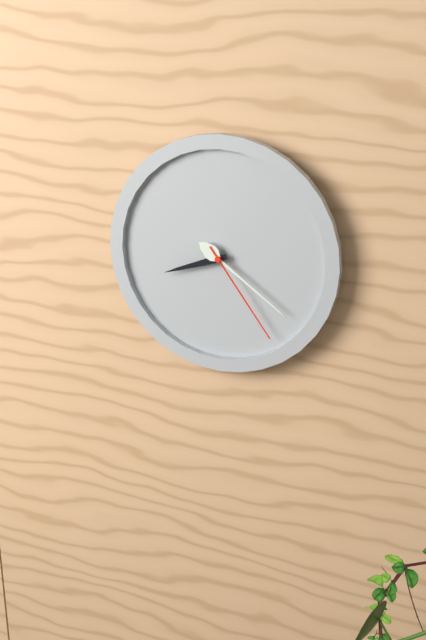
{"hour": 8, "minute": 21, "second": 24}
